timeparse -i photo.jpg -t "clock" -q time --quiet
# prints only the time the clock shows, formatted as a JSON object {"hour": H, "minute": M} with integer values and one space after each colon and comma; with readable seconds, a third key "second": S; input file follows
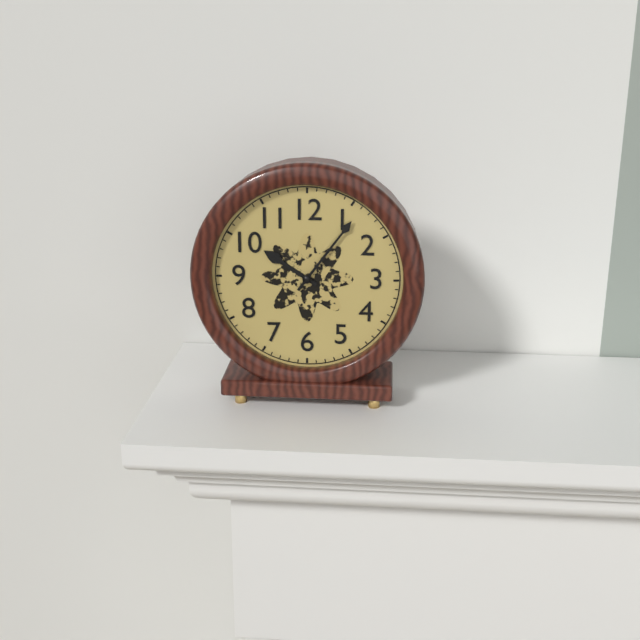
{"hour": 10, "minute": 6}
